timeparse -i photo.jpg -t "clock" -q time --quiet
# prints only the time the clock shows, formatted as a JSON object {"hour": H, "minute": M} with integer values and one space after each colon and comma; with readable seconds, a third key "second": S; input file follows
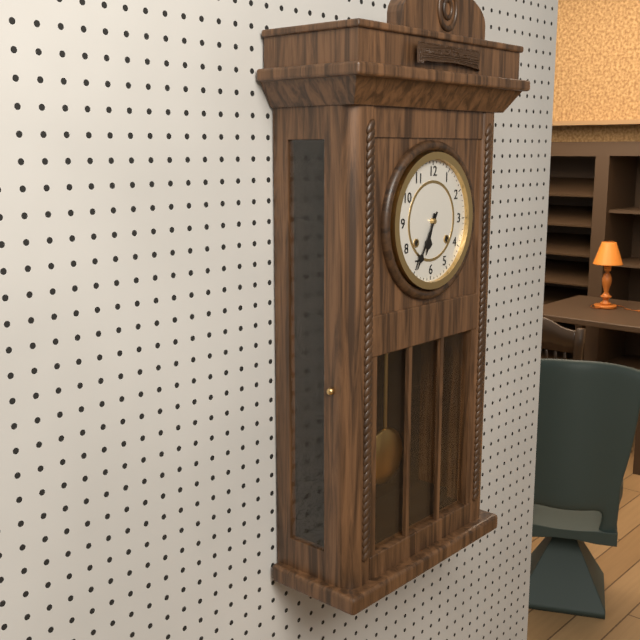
{"hour": 6, "minute": 35}
